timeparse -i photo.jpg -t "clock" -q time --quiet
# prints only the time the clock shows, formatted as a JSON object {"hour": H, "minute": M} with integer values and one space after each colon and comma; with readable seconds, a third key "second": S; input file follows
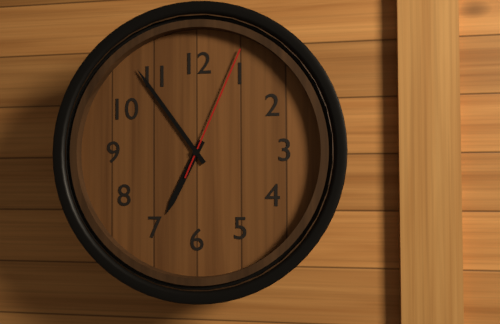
{"hour": 6, "minute": 54, "second": 4}
